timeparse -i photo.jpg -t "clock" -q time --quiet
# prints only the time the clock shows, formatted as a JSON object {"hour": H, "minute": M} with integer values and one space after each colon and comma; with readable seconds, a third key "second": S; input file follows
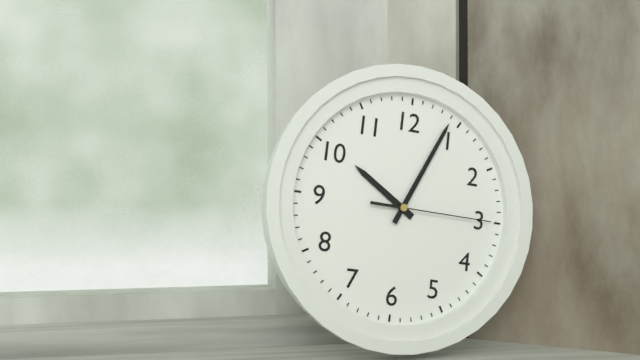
{"hour": 10, "minute": 4, "second": 15}
